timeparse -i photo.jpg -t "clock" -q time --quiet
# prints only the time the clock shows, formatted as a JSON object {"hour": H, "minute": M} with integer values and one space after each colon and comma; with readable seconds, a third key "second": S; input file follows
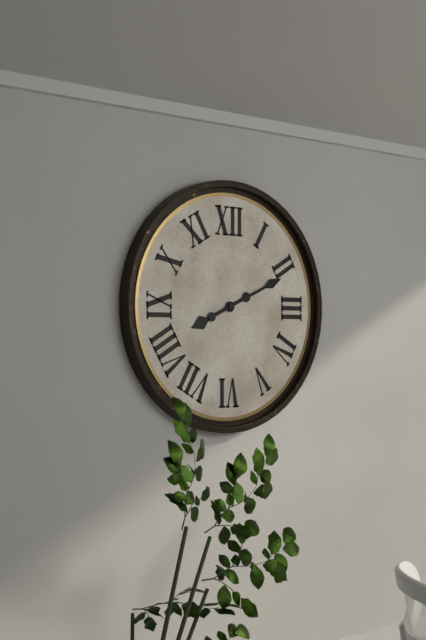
{"hour": 8, "minute": 11}
